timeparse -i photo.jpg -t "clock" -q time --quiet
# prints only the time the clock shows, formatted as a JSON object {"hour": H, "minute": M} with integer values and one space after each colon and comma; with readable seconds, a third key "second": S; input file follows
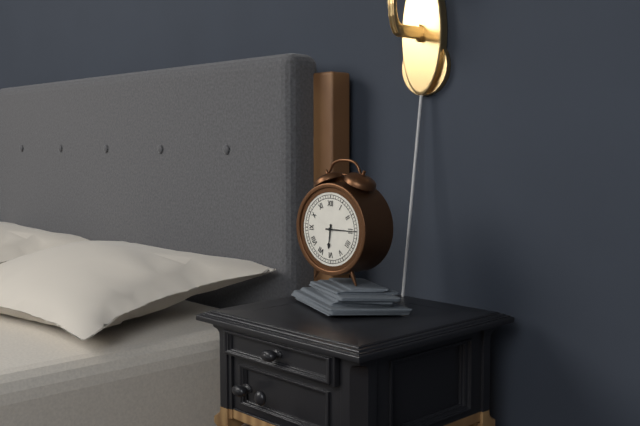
{"hour": 6, "minute": 15}
